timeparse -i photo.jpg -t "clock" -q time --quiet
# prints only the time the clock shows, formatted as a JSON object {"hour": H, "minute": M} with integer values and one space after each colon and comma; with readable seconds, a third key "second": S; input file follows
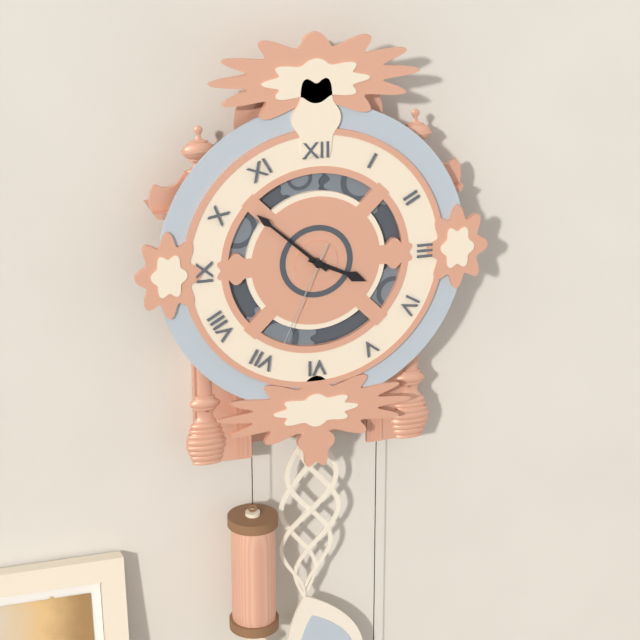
{"hour": 3, "minute": 52, "second": 34}
